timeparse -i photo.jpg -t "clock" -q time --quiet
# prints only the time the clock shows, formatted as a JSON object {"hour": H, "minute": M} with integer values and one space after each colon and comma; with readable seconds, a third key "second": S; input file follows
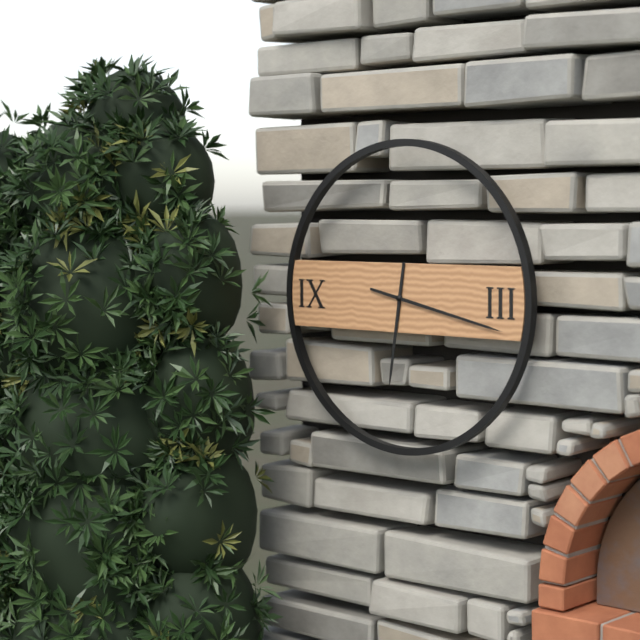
{"hour": 6, "minute": 17}
